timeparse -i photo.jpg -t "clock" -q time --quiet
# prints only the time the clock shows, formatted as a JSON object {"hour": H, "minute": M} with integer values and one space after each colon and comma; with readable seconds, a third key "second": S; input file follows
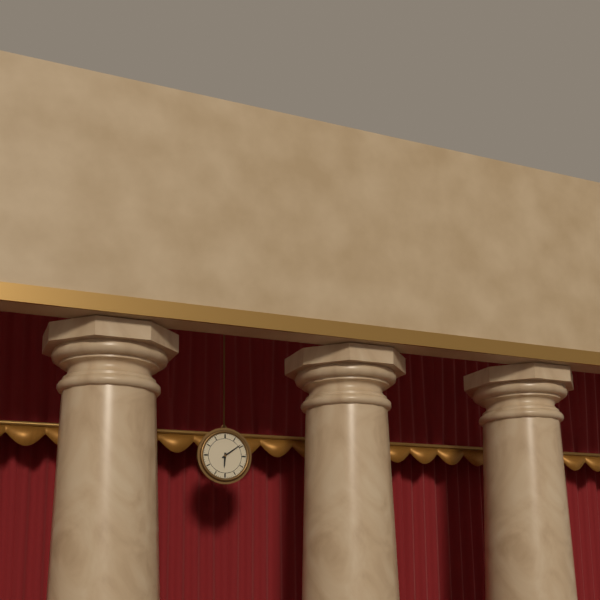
{"hour": 6, "minute": 9}
